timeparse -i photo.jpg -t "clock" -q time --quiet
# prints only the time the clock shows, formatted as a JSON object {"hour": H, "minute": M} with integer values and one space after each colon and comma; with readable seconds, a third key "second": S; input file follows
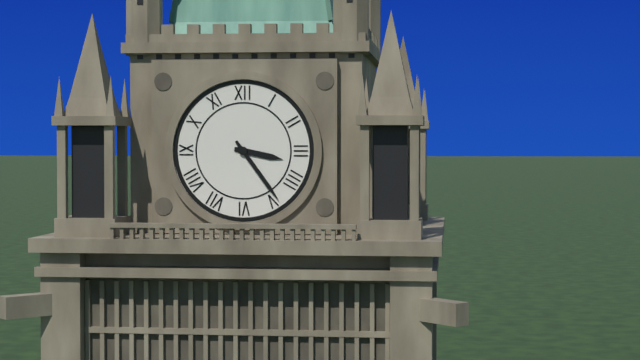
{"hour": 3, "minute": 24}
